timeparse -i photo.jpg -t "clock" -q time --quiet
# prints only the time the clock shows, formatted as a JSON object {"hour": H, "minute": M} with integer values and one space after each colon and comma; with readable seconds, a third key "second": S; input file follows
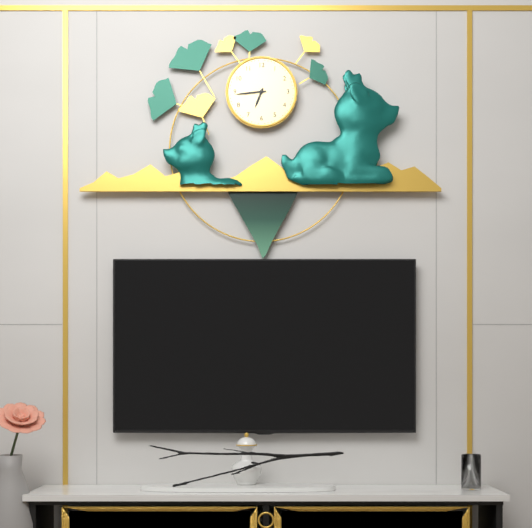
{"hour": 6, "minute": 44}
